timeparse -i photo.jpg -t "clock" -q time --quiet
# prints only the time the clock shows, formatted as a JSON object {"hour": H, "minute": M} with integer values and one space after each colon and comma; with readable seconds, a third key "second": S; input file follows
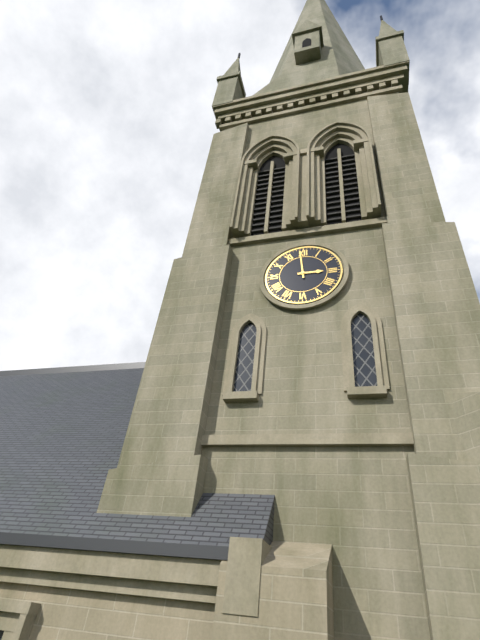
{"hour": 2, "minute": 59}
